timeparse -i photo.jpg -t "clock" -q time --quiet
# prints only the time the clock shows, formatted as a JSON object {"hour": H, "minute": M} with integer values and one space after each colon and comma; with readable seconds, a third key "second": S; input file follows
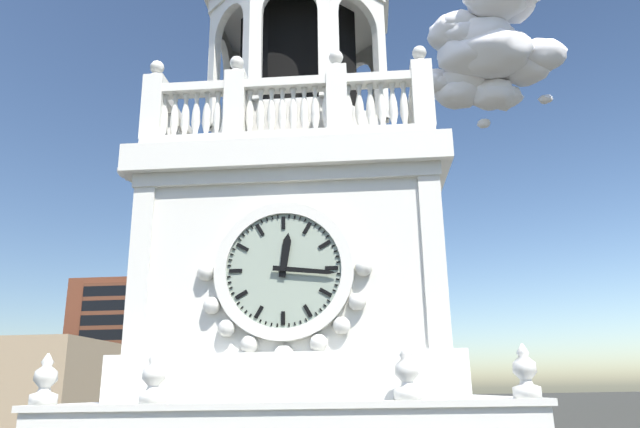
{"hour": 12, "minute": 16}
